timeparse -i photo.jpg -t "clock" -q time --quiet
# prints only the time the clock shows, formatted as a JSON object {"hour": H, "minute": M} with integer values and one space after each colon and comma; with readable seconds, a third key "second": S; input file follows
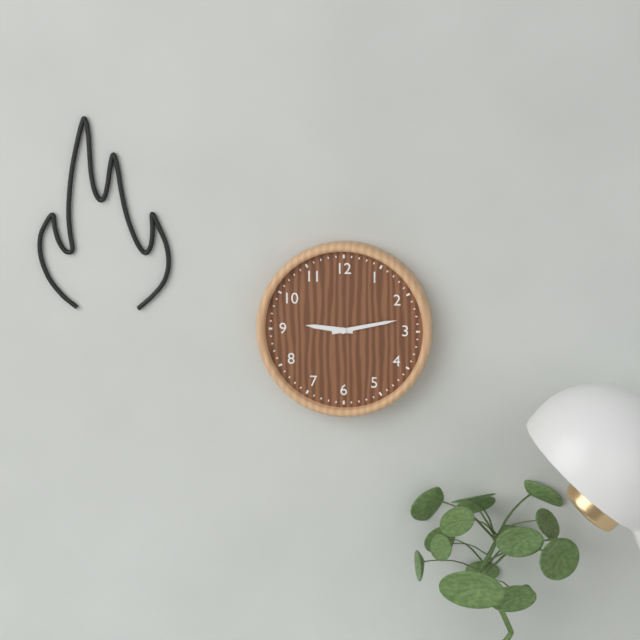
{"hour": 9, "minute": 13}
